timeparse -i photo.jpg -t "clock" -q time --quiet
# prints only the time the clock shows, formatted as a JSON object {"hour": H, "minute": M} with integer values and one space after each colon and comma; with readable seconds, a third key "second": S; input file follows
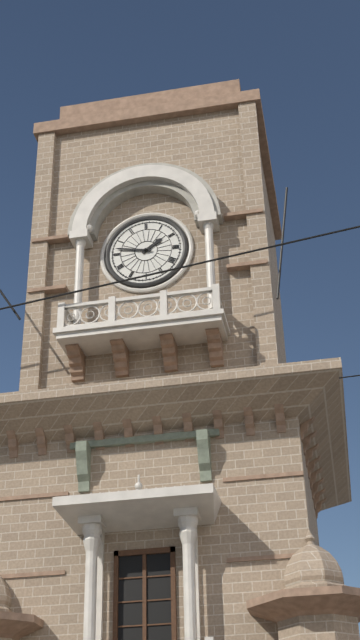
{"hour": 1, "minute": 47}
